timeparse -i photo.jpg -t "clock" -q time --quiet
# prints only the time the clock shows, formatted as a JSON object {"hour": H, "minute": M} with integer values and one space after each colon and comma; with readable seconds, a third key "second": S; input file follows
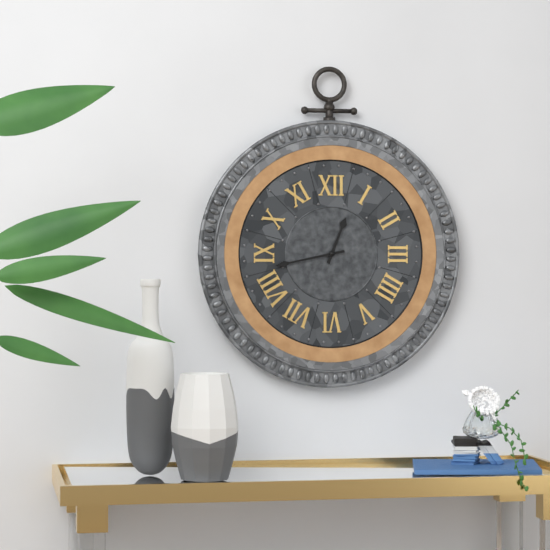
{"hour": 12, "minute": 43}
